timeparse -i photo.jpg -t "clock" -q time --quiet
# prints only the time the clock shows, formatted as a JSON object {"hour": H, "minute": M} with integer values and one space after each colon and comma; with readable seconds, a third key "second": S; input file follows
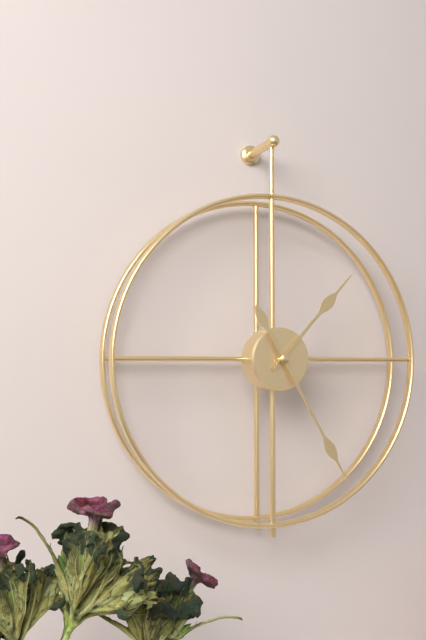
{"hour": 1, "minute": 25}
